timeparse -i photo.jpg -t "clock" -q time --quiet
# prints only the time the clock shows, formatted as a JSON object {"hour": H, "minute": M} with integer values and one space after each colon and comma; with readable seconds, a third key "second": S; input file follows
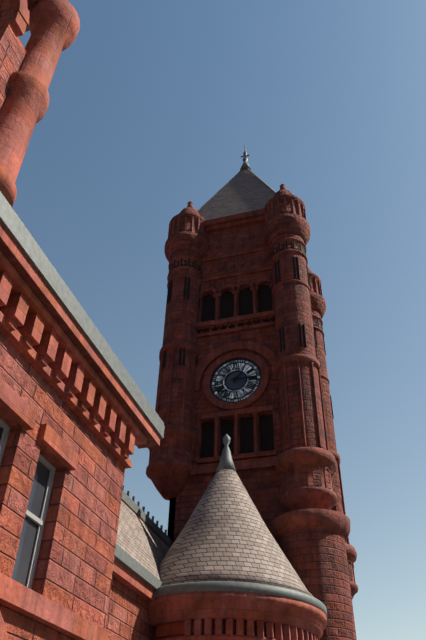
{"hour": 1, "minute": 15}
